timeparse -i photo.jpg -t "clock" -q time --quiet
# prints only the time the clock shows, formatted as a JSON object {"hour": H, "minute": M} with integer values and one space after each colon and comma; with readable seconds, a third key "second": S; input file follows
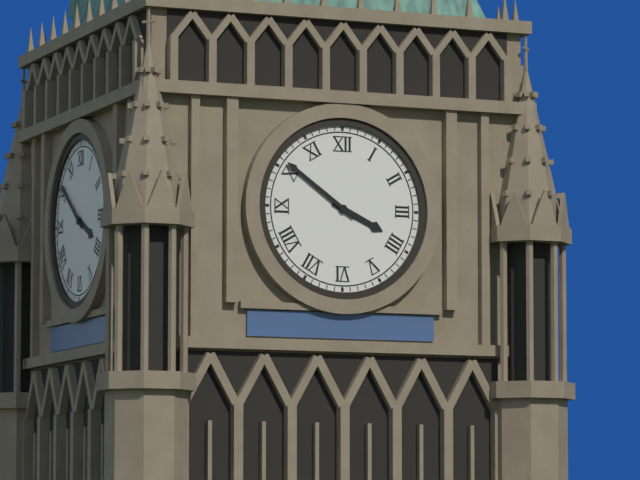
{"hour": 3, "minute": 51}
